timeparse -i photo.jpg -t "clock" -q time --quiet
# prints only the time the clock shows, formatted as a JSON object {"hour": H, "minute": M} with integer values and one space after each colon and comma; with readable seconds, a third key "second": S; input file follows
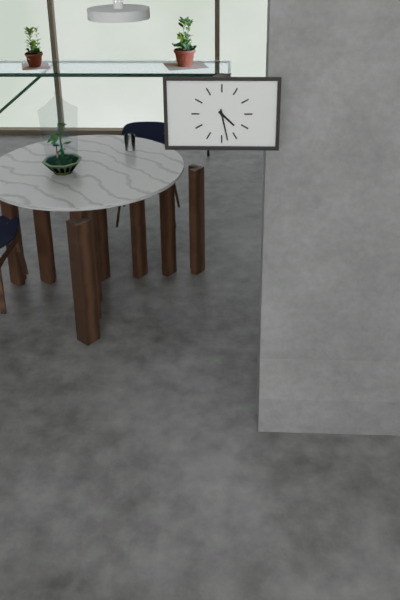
{"hour": 4, "minute": 28}
